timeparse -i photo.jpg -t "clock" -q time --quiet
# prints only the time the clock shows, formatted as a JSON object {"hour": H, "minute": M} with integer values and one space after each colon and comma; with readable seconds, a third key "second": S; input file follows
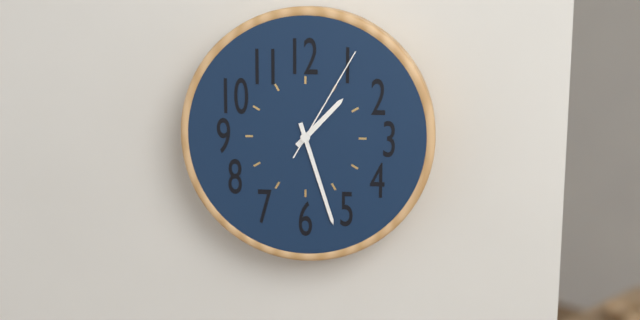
{"hour": 1, "minute": 27, "second": 5}
